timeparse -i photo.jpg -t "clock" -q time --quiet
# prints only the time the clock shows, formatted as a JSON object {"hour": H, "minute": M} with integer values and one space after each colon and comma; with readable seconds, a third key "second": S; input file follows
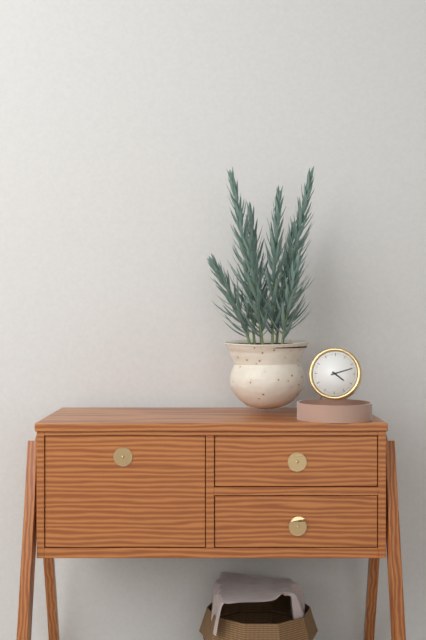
{"hour": 4, "minute": 12}
